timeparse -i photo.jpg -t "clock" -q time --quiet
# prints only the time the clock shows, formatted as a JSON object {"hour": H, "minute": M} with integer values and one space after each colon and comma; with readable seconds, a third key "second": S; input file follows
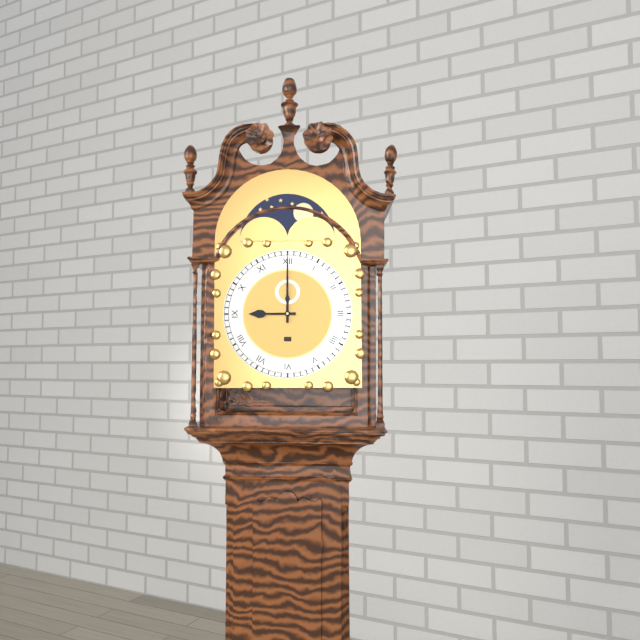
{"hour": 9, "minute": 0}
